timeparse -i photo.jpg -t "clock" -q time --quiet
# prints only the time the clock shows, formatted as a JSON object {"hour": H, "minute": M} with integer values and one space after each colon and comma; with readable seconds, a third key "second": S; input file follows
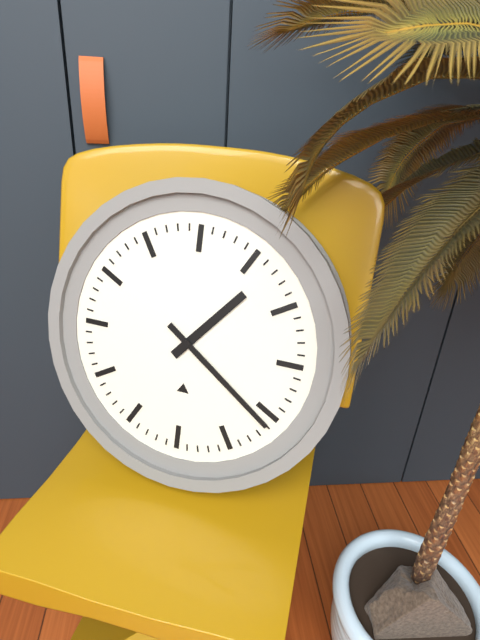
{"hour": 1, "minute": 21}
